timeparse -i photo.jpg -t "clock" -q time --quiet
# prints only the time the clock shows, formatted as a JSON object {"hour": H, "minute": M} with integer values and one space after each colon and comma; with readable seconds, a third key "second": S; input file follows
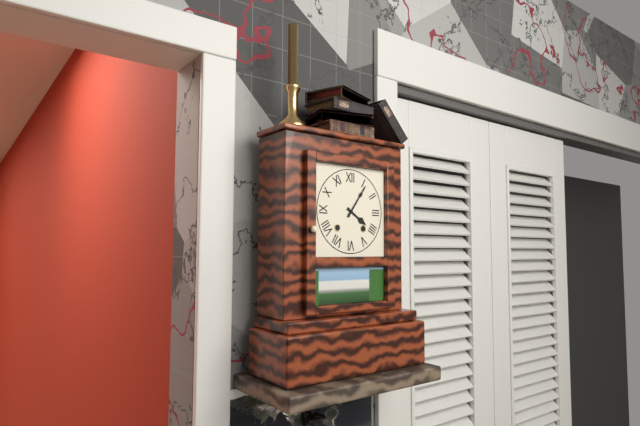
{"hour": 4, "minute": 6}
